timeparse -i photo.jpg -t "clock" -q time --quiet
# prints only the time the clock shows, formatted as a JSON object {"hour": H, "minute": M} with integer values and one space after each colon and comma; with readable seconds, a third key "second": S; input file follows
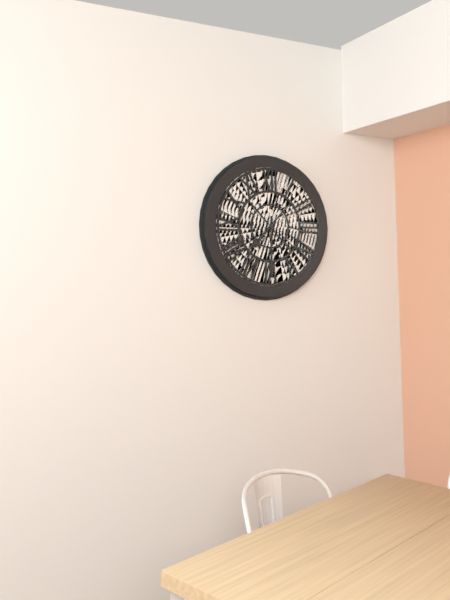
{"hour": 7, "minute": 30}
